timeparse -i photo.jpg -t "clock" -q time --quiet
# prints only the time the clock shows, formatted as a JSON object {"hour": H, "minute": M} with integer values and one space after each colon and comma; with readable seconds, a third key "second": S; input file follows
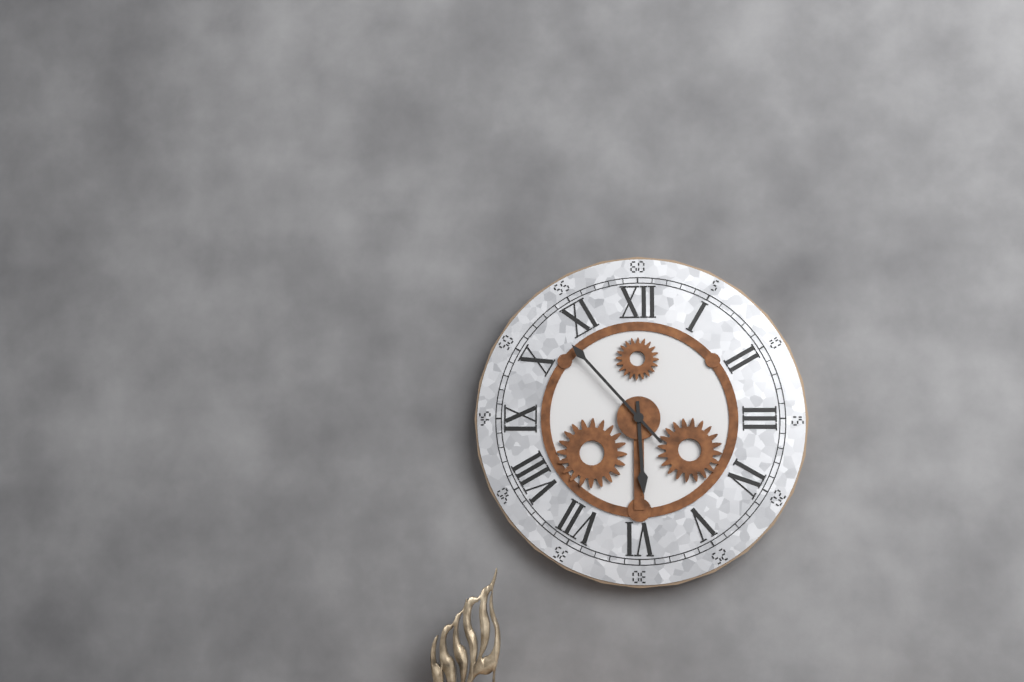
{"hour": 5, "minute": 53}
